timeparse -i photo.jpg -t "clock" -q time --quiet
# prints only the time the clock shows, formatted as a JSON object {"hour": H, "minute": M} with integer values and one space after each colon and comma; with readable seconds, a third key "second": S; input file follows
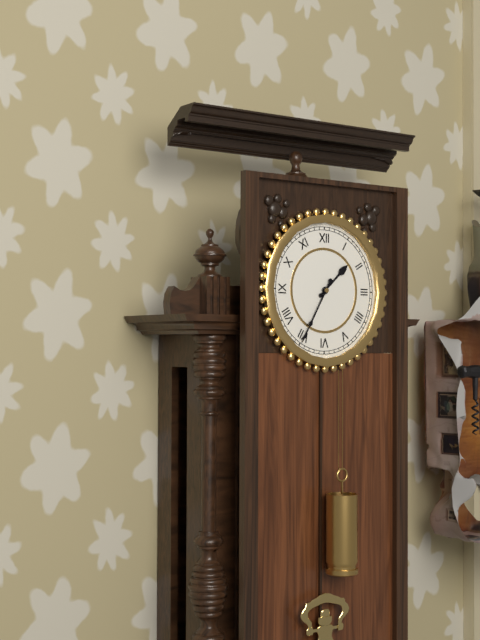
{"hour": 1, "minute": 35}
